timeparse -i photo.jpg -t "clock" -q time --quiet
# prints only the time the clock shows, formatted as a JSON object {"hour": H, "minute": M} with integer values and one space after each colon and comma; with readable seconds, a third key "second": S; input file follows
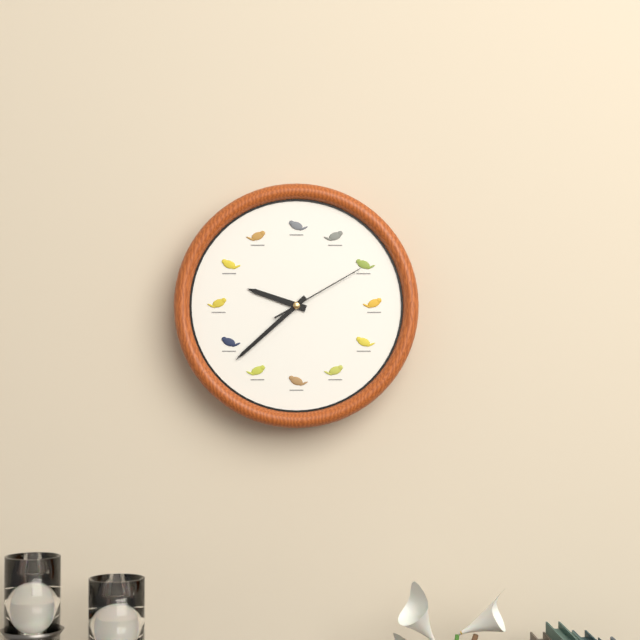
{"hour": 9, "minute": 38, "second": 10}
